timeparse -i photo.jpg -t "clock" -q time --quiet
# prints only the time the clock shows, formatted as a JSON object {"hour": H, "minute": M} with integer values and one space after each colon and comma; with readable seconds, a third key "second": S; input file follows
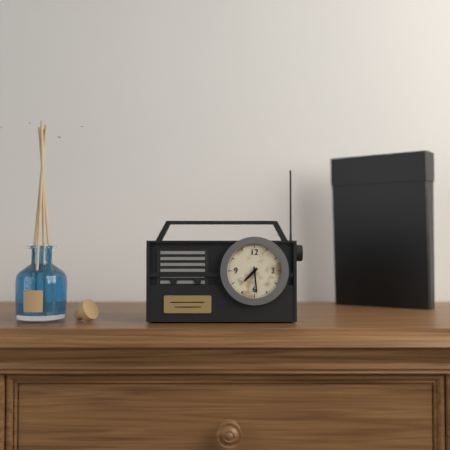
{"hour": 7, "minute": 29}
